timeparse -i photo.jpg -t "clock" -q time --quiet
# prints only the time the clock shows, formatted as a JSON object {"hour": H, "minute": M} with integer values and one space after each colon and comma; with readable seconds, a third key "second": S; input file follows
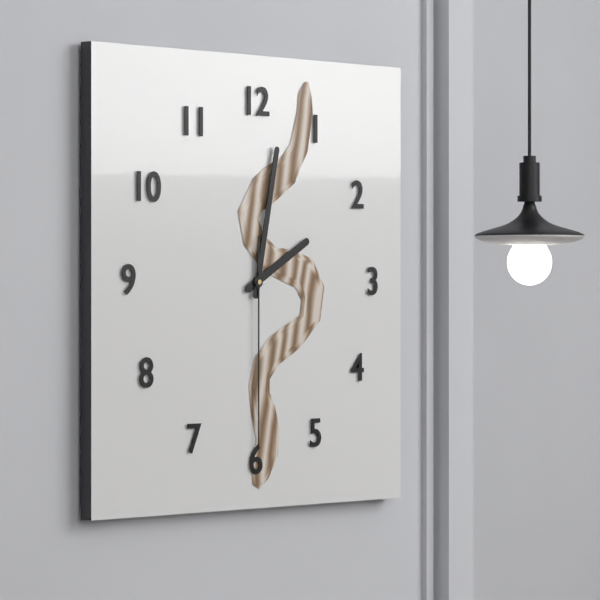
{"hour": 2, "minute": 2, "second": 30}
